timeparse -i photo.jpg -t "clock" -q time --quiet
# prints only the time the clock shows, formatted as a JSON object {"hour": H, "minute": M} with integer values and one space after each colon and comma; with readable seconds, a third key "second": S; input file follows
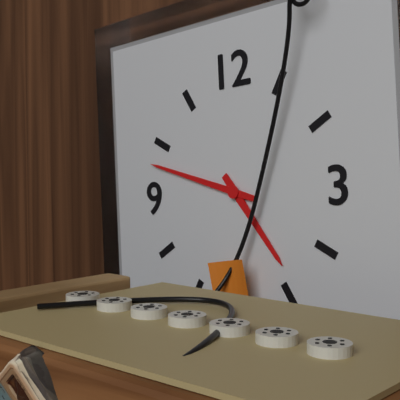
{"hour": 4, "minute": 48}
